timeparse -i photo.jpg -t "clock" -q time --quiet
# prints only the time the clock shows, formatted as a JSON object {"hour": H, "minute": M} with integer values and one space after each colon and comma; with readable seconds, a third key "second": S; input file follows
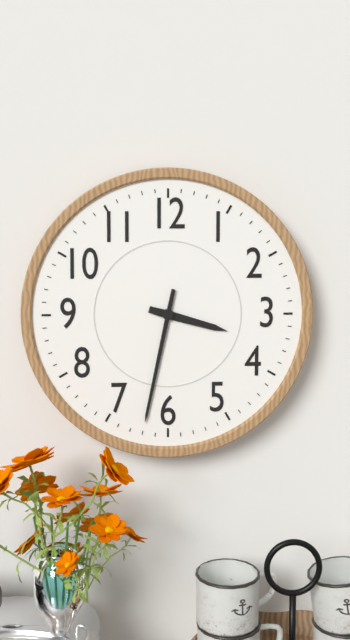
{"hour": 3, "minute": 32}
